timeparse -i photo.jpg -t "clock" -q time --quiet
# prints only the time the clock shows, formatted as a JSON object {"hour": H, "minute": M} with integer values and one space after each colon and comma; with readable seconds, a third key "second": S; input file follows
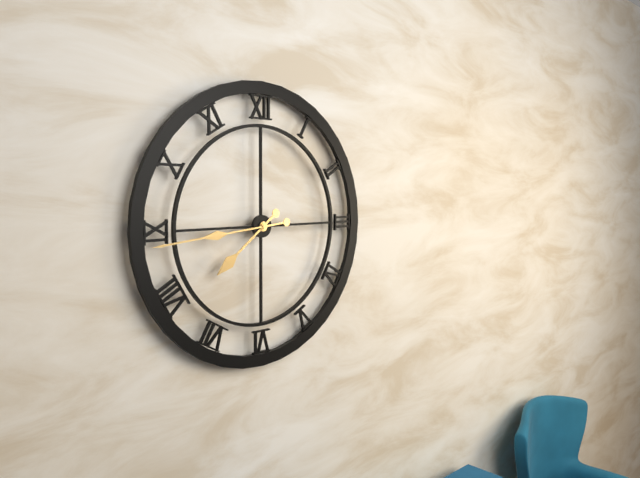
{"hour": 7, "minute": 44}
